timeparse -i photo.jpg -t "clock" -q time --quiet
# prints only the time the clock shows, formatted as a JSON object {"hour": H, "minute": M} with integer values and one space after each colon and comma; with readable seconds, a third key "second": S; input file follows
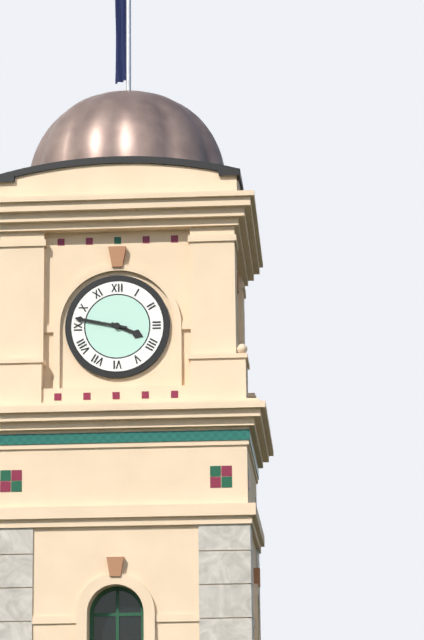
{"hour": 3, "minute": 47}
